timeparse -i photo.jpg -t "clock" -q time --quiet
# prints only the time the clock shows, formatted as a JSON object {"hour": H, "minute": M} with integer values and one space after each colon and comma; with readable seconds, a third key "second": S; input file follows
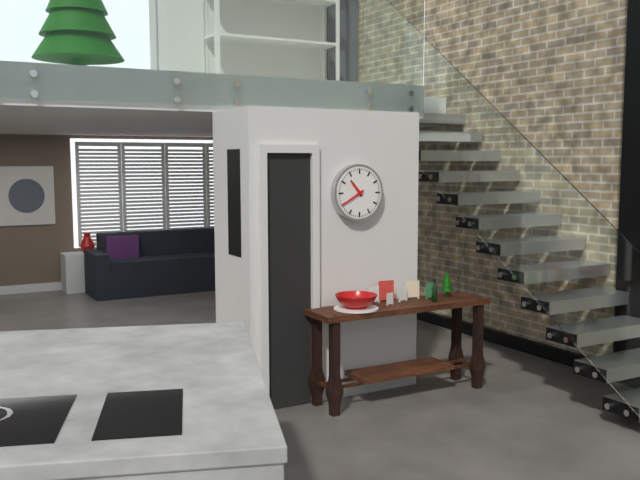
{"hour": 10, "minute": 40}
